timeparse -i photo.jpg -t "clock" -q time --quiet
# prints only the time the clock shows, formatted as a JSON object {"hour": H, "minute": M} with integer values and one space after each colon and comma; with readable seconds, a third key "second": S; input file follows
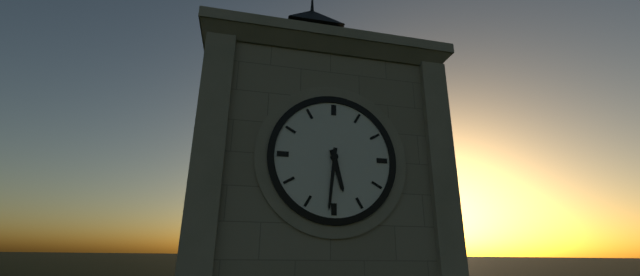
{"hour": 5, "minute": 31}
